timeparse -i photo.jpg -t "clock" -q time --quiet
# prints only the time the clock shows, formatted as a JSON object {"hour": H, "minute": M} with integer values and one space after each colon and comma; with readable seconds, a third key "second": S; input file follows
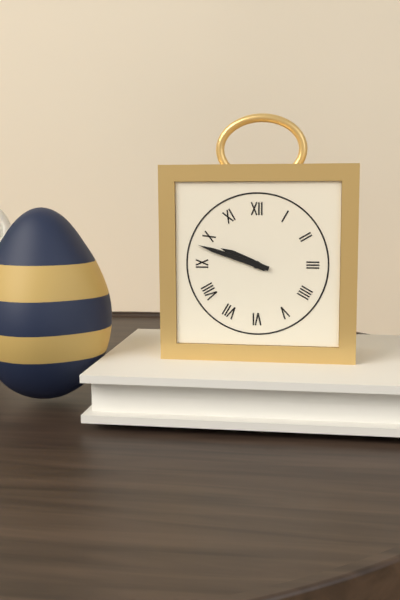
{"hour": 9, "minute": 48}
